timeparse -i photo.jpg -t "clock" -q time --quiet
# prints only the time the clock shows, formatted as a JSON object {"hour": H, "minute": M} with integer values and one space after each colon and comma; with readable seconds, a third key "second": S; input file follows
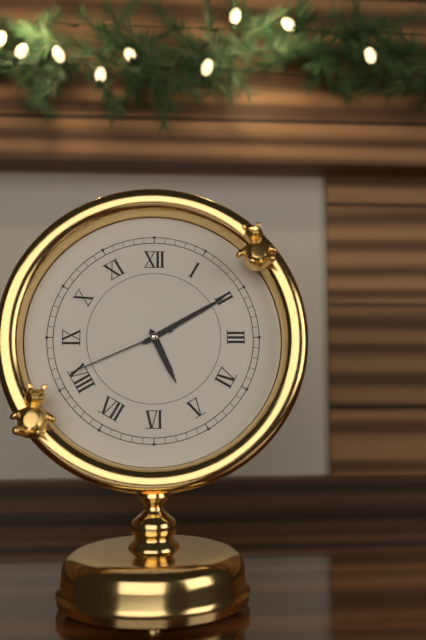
{"hour": 5, "minute": 10, "second": 41}
